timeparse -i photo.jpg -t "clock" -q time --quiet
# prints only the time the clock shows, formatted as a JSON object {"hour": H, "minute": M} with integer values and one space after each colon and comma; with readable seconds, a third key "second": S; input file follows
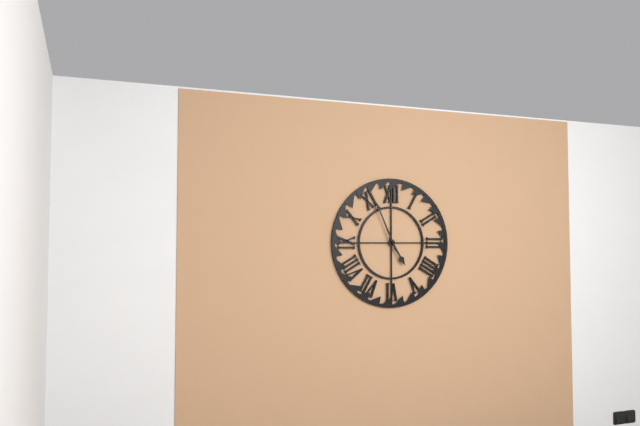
{"hour": 4, "minute": 56}
